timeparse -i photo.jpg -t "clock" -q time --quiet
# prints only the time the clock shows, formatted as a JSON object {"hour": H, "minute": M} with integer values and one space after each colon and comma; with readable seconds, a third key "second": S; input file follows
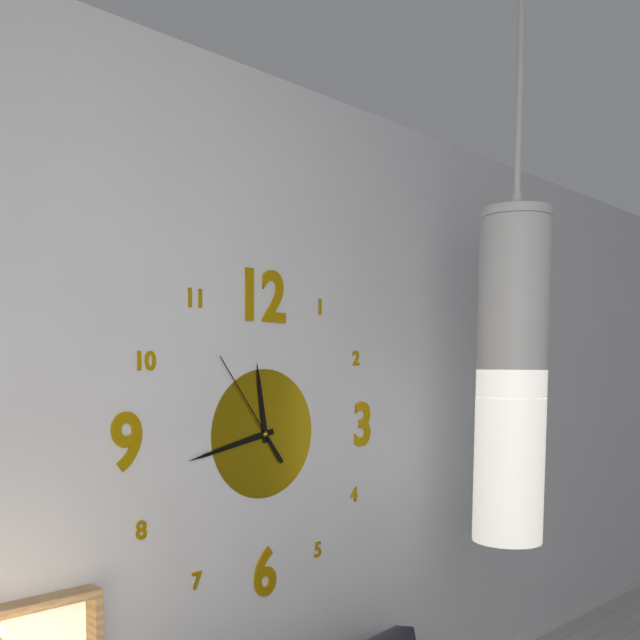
{"hour": 11, "minute": 43, "second": 54}
